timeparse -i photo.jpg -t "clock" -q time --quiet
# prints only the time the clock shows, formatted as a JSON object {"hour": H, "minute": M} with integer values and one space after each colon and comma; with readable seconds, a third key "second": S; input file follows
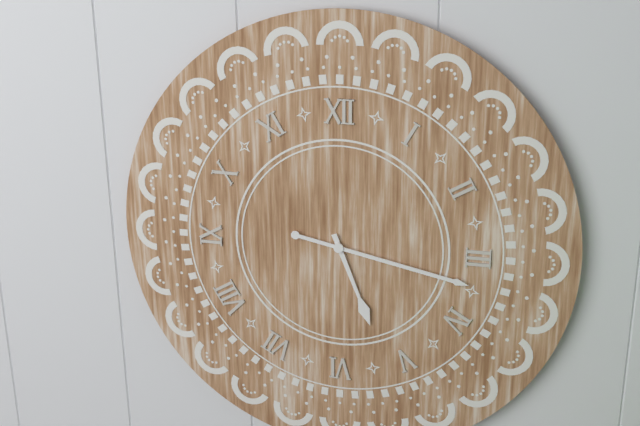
{"hour": 5, "minute": 17}
